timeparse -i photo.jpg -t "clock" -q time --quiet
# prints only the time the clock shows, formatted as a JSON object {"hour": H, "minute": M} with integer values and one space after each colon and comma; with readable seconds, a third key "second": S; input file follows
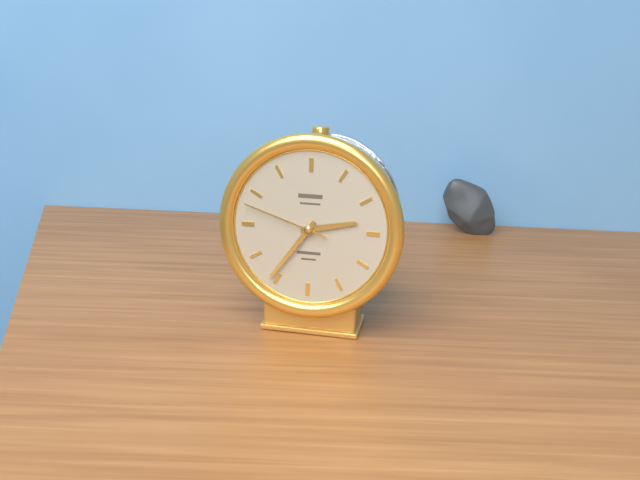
{"hour": 2, "minute": 36, "second": 48}
